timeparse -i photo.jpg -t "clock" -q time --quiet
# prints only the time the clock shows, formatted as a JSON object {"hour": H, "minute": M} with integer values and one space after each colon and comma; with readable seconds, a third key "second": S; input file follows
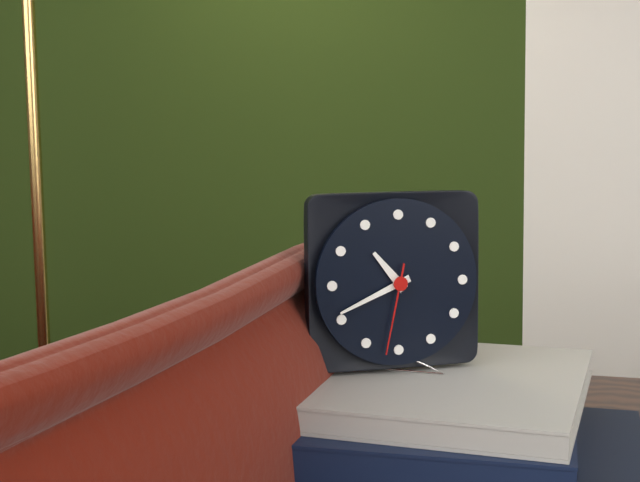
{"hour": 10, "minute": 41, "second": 32}
